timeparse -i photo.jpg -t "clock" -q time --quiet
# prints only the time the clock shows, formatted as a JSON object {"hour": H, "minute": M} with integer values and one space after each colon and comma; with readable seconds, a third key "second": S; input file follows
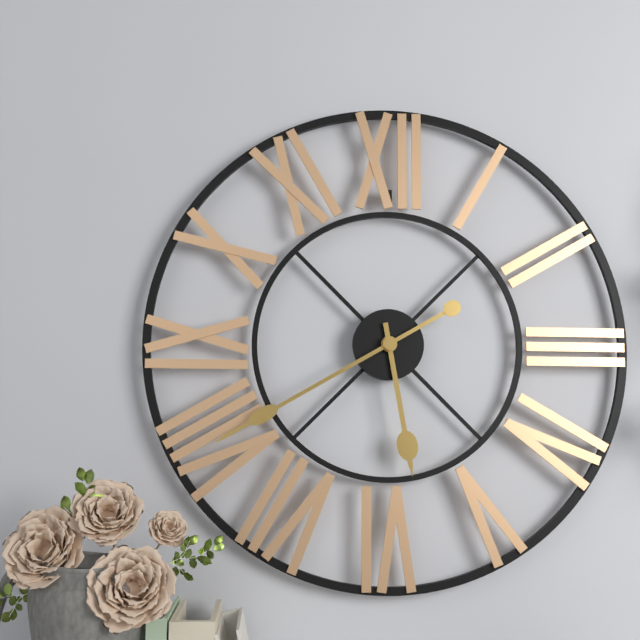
{"hour": 5, "minute": 40}
